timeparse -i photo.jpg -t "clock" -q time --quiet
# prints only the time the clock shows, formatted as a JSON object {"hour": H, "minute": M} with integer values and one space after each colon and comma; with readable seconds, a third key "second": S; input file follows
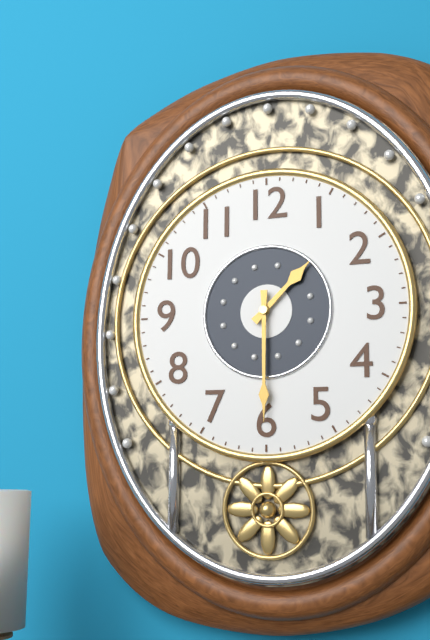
{"hour": 1, "minute": 30}
